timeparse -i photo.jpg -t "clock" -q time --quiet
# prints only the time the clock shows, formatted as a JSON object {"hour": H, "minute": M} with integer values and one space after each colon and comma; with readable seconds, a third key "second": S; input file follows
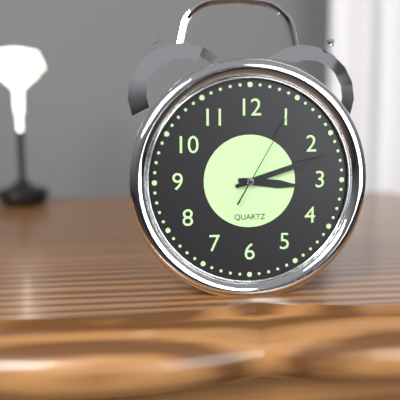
{"hour": 3, "minute": 12, "second": 5}
